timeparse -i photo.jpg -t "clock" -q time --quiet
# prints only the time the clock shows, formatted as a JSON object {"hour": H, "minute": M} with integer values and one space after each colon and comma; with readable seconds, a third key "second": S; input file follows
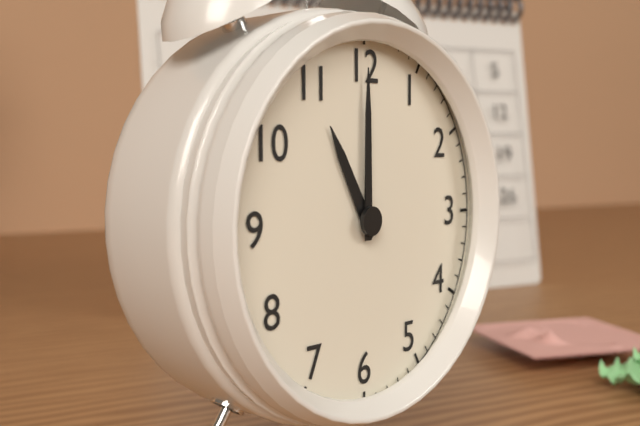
{"hour": 11, "minute": 0}
